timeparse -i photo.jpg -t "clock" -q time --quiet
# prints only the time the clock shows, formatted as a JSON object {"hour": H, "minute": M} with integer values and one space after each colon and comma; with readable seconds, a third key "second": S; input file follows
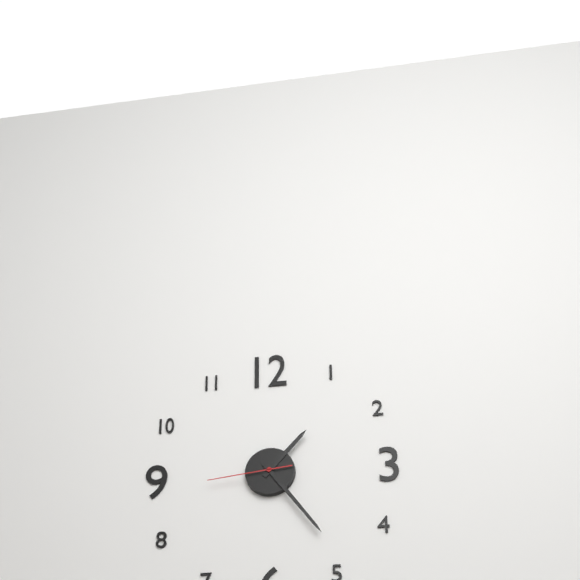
{"hour": 1, "minute": 24, "second": 44}
